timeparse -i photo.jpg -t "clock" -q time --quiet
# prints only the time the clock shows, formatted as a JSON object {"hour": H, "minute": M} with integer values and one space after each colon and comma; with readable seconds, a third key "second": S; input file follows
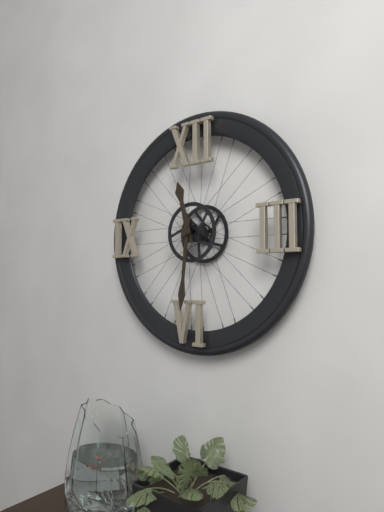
{"hour": 11, "minute": 31}
